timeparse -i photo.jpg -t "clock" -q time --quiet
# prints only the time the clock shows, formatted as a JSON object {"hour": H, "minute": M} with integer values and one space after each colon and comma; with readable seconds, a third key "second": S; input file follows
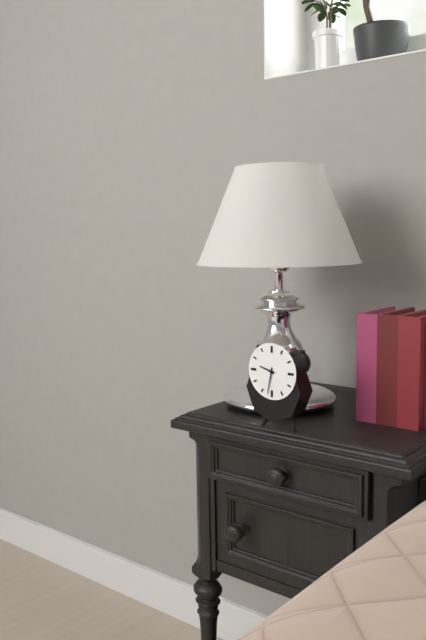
{"hour": 9, "minute": 32}
